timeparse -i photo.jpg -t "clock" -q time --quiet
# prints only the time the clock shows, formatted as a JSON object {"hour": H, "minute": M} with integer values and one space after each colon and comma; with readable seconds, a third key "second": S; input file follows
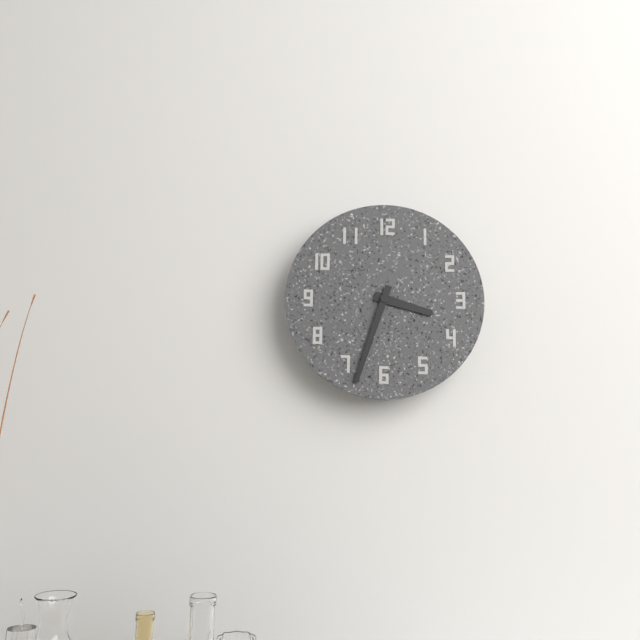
{"hour": 3, "minute": 33}
